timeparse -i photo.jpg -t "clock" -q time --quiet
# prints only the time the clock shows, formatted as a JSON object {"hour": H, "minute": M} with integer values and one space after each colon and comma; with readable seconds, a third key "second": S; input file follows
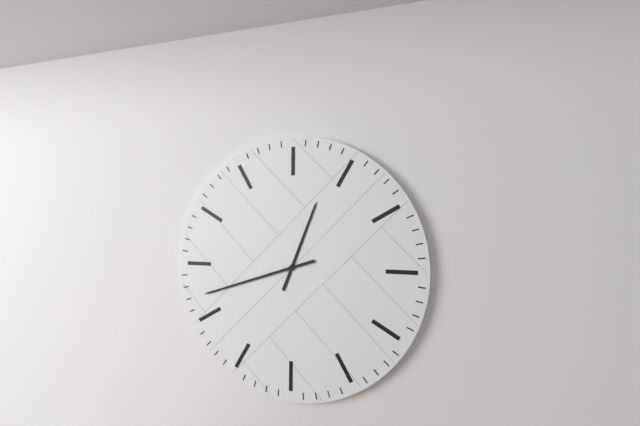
{"hour": 12, "minute": 42}
